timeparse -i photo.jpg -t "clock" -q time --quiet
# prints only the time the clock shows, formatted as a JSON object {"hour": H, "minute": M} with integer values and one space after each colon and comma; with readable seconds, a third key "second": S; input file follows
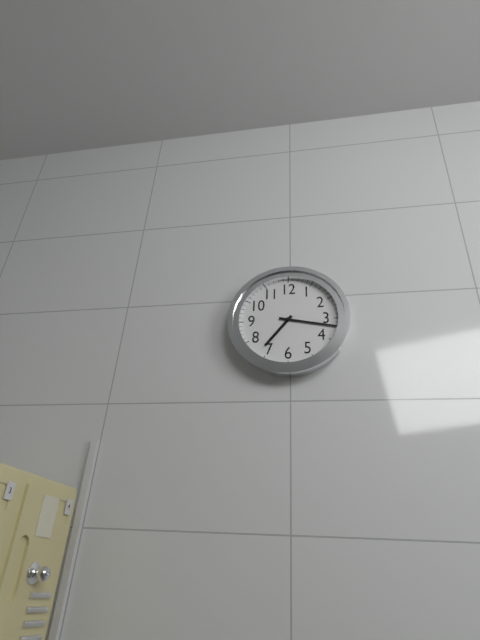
{"hour": 7, "minute": 17}
